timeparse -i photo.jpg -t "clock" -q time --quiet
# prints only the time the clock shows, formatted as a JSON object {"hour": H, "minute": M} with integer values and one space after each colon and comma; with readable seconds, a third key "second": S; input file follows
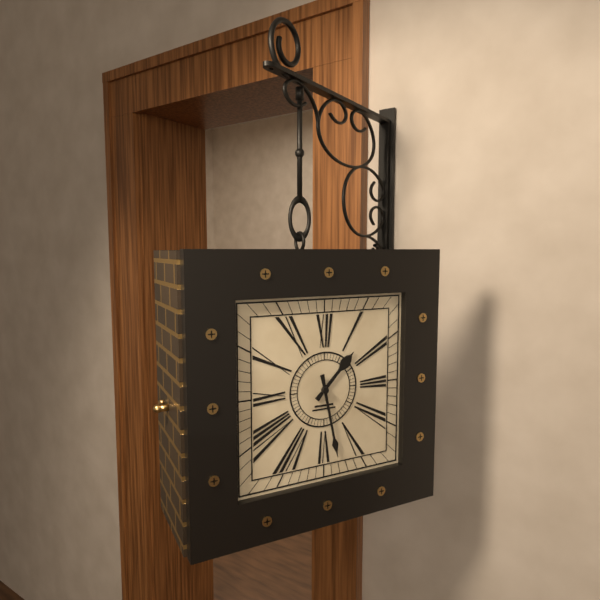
{"hour": 1, "minute": 28}
